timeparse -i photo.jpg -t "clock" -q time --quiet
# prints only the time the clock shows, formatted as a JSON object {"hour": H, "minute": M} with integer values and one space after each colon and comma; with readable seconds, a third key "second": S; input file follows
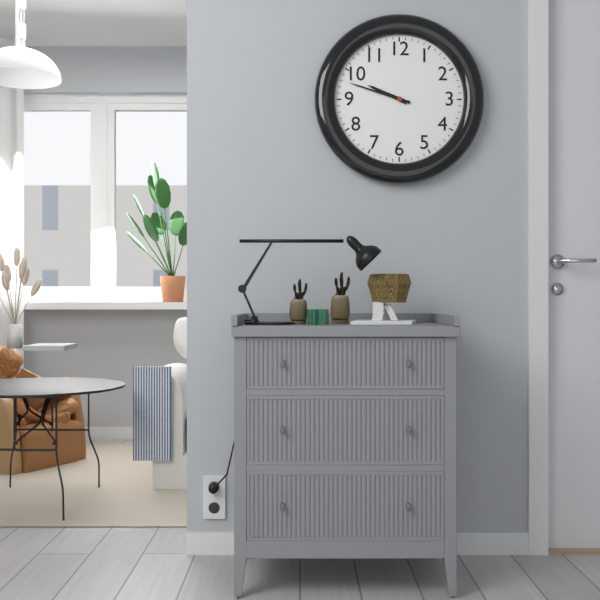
{"hour": 9, "minute": 48}
